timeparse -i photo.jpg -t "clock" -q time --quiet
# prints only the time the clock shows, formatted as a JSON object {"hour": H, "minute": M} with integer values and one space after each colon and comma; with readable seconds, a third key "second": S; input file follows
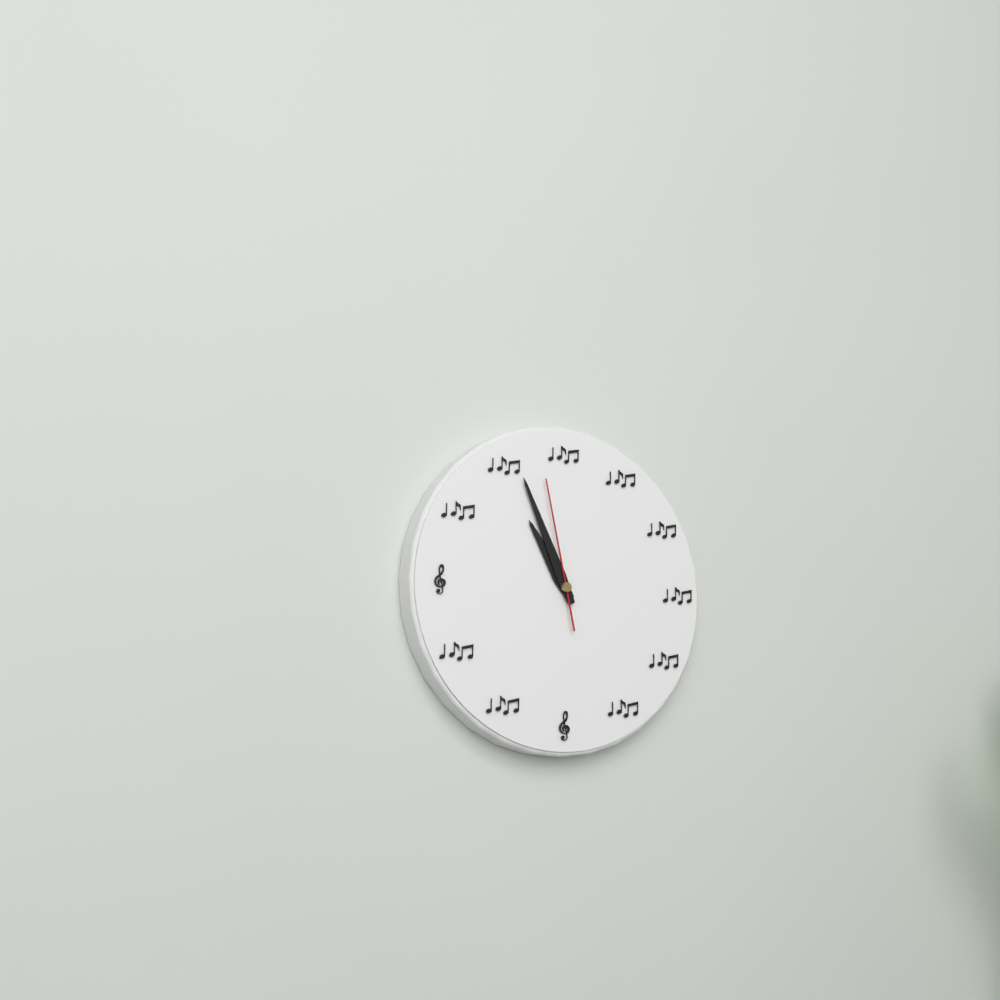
{"hour": 10, "minute": 56, "second": 58}
